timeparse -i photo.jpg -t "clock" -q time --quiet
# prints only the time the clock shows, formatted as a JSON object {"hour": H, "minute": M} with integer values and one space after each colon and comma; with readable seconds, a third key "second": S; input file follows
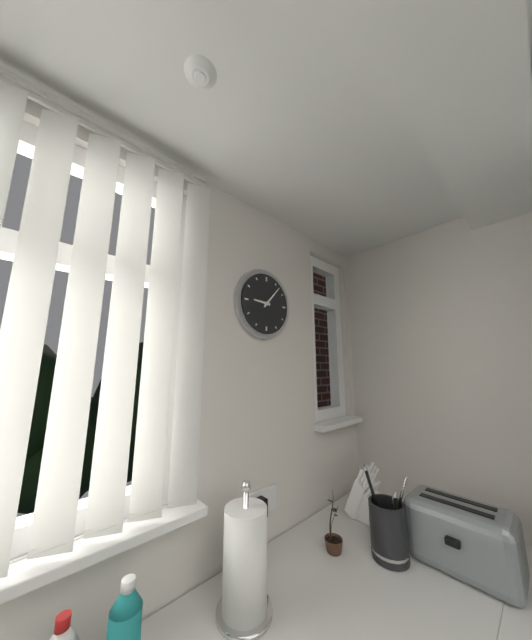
{"hour": 9, "minute": 7}
